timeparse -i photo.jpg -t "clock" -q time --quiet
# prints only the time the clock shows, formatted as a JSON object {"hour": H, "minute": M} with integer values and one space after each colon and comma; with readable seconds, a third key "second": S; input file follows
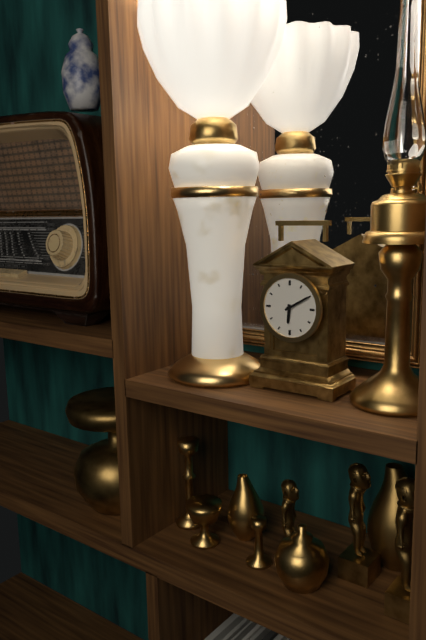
{"hour": 6, "minute": 10}
